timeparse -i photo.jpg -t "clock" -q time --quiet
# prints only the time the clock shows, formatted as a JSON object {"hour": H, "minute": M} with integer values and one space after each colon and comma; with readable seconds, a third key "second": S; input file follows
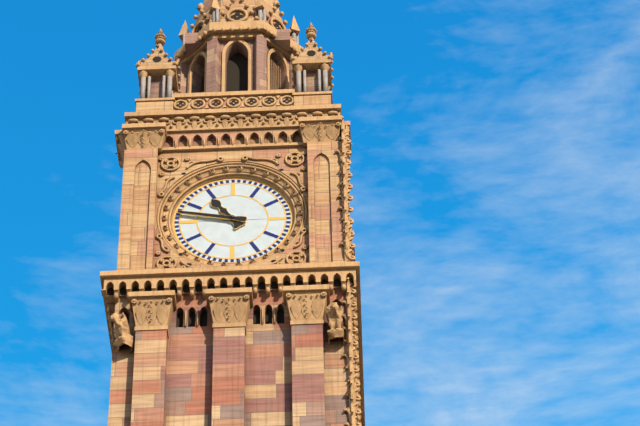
{"hour": 10, "minute": 47}
